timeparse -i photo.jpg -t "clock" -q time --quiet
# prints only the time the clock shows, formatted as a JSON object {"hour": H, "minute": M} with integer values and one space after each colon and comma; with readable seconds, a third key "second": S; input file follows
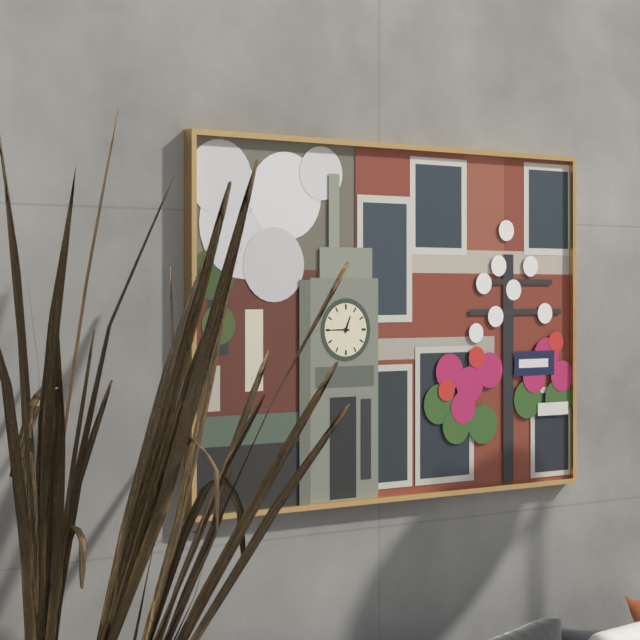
{"hour": 12, "minute": 45}
